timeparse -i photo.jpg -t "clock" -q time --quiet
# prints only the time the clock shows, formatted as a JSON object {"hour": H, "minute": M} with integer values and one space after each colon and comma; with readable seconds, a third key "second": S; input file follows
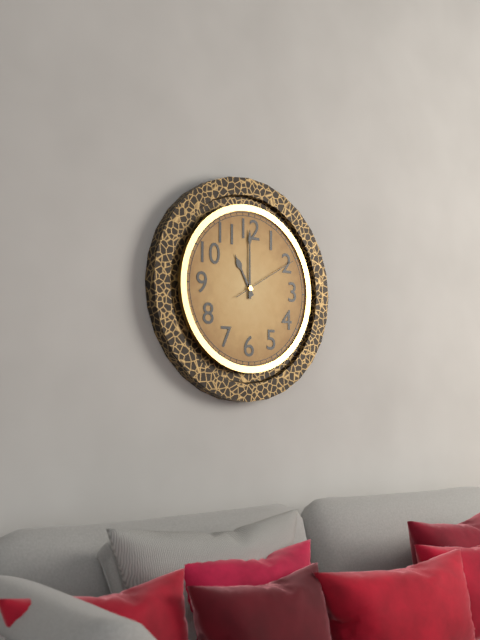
{"hour": 11, "minute": 0, "second": 10}
